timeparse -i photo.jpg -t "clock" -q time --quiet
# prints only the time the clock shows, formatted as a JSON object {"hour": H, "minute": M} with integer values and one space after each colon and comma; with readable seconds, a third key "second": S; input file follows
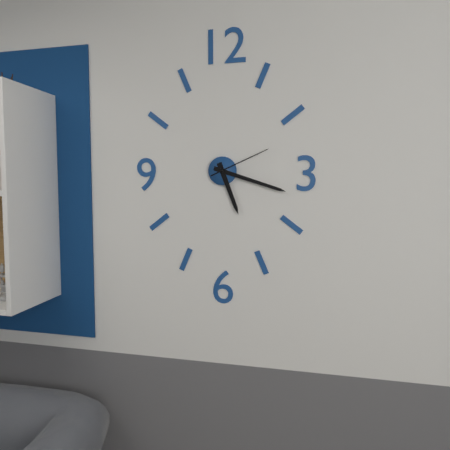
{"hour": 5, "minute": 18, "second": 11}
